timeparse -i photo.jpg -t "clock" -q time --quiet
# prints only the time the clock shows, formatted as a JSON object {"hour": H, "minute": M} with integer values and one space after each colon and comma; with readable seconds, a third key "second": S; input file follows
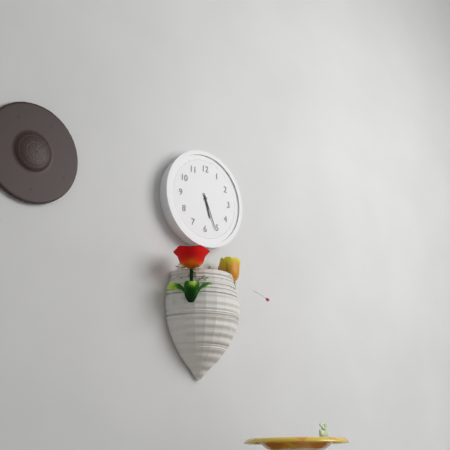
{"hour": 5, "minute": 26}
